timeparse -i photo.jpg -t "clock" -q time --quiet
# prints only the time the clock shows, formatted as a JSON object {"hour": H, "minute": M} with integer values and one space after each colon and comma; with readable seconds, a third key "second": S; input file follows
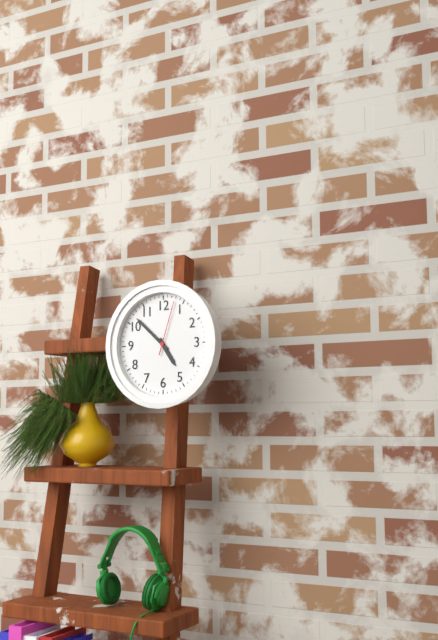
{"hour": 4, "minute": 52, "second": 3}
